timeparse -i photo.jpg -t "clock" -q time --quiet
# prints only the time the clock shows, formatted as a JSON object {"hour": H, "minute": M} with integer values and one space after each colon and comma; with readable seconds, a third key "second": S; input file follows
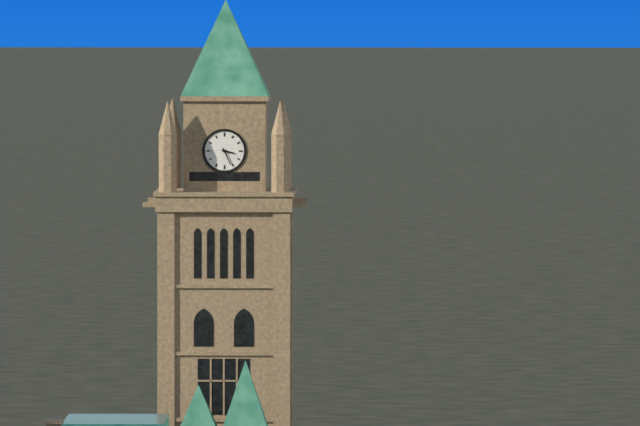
{"hour": 3, "minute": 26}
